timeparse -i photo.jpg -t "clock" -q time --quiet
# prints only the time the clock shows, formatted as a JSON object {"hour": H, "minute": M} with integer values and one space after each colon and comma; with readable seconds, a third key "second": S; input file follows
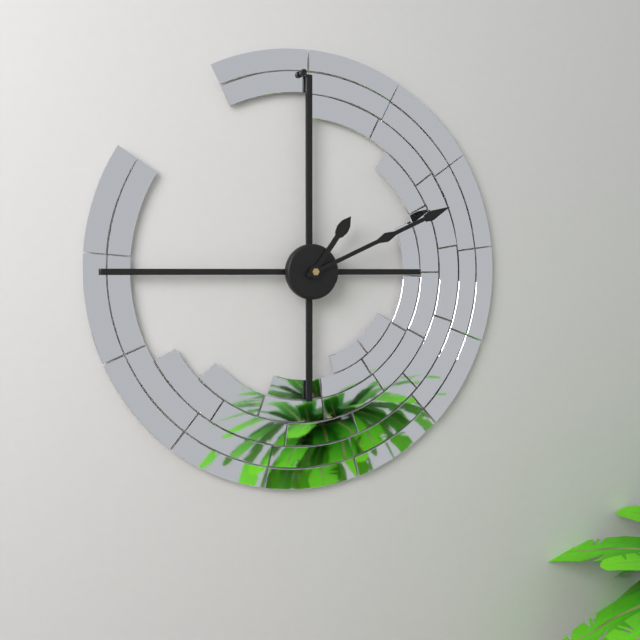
{"hour": 1, "minute": 11}
